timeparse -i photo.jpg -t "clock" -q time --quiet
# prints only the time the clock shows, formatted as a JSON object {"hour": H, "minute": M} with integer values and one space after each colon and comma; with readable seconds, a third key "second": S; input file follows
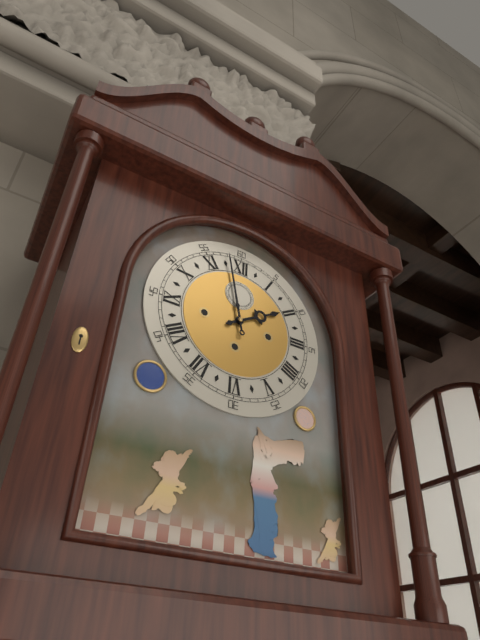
{"hour": 1, "minute": 58}
